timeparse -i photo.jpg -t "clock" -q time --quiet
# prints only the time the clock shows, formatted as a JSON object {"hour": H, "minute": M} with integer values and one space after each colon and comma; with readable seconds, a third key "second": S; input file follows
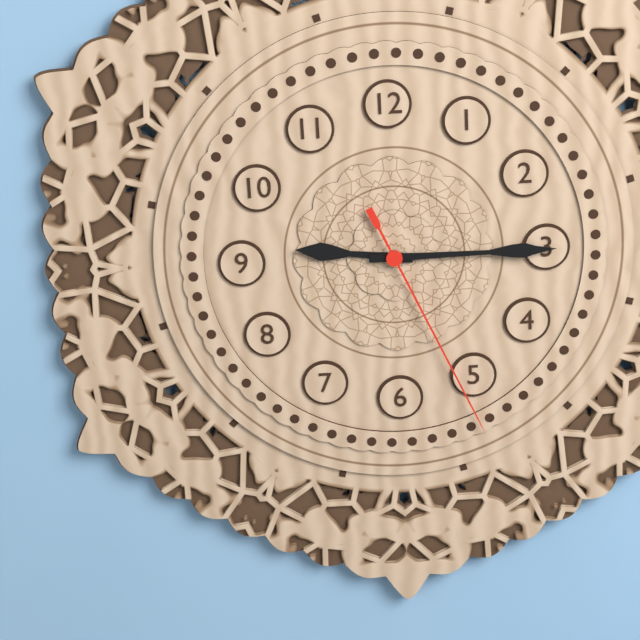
{"hour": 9, "minute": 15, "second": 26}
